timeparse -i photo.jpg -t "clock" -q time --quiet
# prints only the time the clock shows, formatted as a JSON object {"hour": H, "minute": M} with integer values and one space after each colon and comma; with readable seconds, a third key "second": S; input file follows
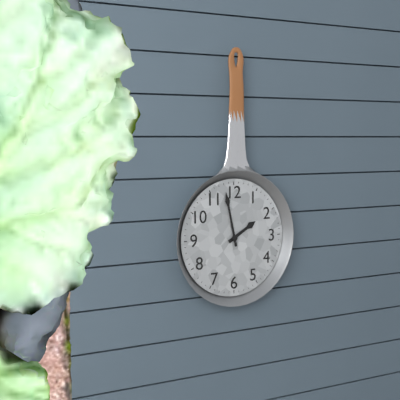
{"hour": 1, "minute": 58}
